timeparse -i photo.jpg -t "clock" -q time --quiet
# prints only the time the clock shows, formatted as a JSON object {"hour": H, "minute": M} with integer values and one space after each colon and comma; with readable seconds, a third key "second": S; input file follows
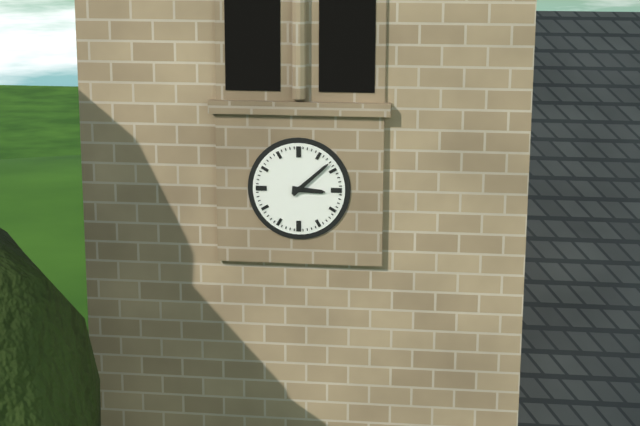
{"hour": 3, "minute": 8}
